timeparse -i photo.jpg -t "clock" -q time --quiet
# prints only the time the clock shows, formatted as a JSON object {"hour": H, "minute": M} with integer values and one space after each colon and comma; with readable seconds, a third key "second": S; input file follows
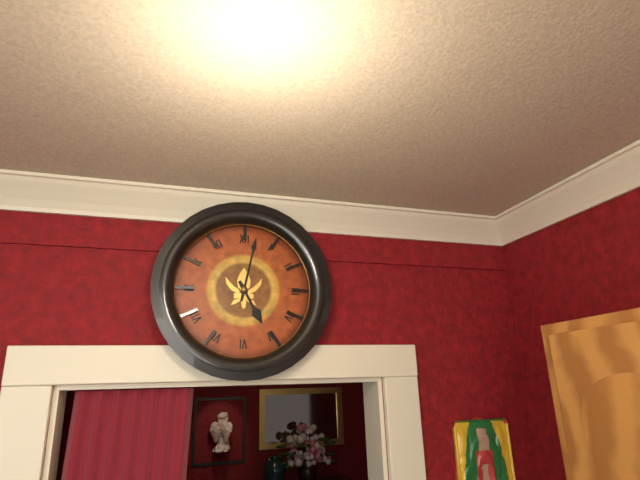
{"hour": 5, "minute": 2}
